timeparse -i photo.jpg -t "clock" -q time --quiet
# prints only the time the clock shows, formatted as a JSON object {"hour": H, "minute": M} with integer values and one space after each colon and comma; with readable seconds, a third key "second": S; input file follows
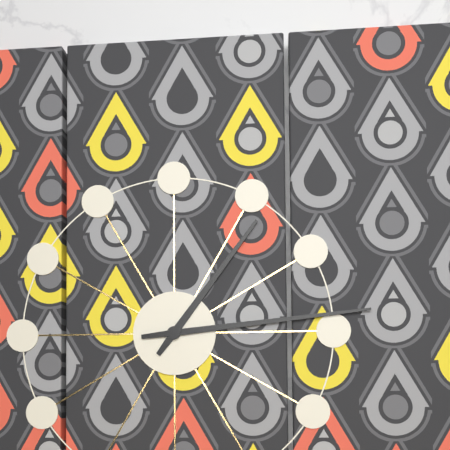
{"hour": 1, "minute": 14}
